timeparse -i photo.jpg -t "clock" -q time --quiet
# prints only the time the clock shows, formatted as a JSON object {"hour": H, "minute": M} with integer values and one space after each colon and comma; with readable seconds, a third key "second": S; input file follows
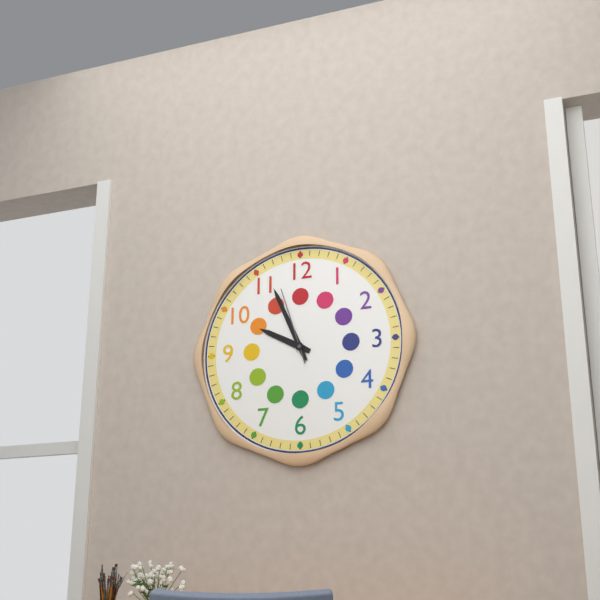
{"hour": 9, "minute": 56, "second": 57}
